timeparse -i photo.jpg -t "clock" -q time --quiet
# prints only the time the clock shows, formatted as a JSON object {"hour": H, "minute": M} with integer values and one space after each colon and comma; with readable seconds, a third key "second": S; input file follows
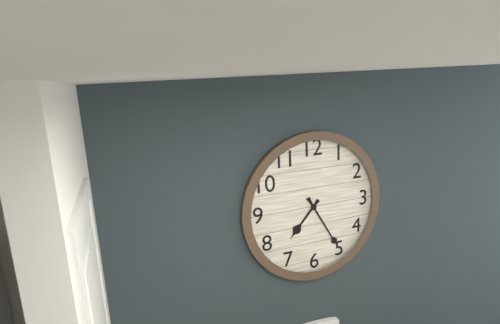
{"hour": 7, "minute": 25}
